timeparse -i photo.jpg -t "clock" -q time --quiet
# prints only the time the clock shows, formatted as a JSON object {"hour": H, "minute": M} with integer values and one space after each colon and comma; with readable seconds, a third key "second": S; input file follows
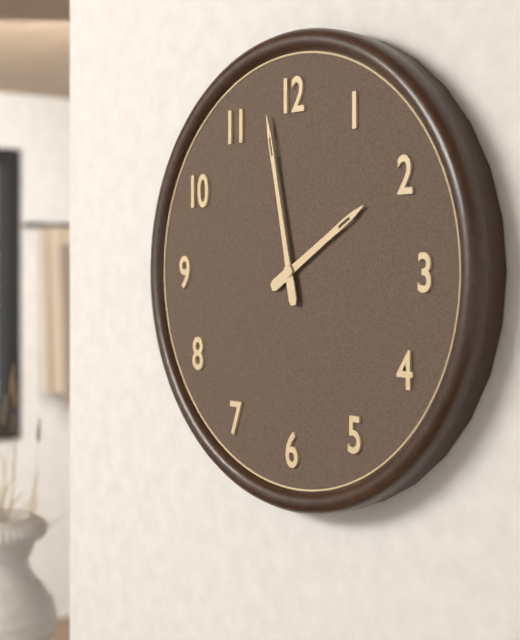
{"hour": 1, "minute": 58}
